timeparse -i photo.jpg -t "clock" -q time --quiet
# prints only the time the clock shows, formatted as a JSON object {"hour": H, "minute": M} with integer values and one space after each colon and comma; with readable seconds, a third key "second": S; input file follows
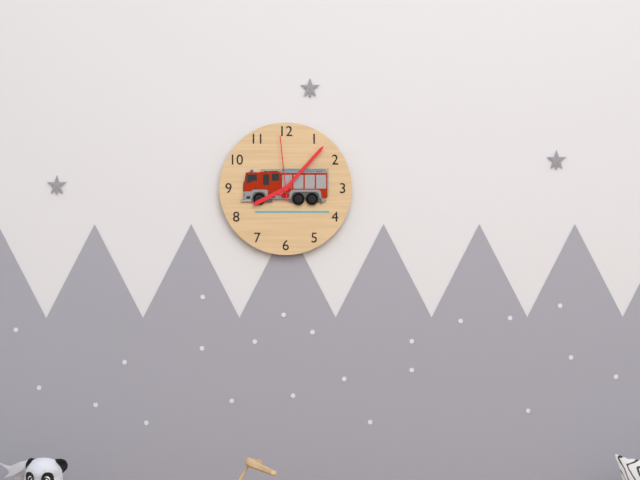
{"hour": 8, "minute": 7, "second": 59}
